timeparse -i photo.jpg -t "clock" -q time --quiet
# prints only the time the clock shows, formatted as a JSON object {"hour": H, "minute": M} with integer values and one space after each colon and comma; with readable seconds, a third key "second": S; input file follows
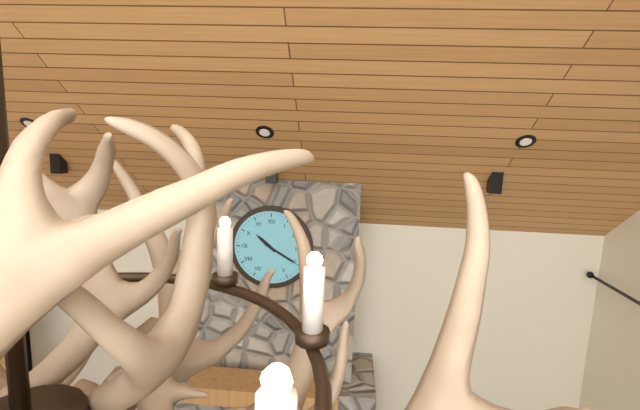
{"hour": 10, "minute": 20}
